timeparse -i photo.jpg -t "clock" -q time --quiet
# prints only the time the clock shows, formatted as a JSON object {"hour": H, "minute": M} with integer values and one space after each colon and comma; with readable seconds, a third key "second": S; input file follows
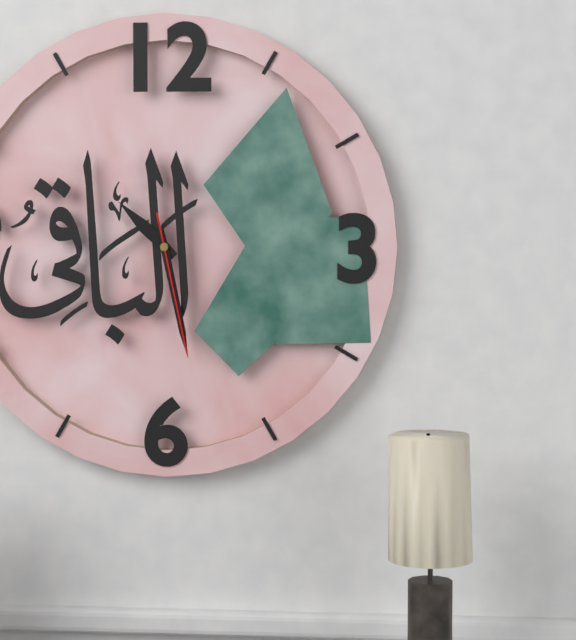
{"hour": 10, "minute": 28, "second": 28}
